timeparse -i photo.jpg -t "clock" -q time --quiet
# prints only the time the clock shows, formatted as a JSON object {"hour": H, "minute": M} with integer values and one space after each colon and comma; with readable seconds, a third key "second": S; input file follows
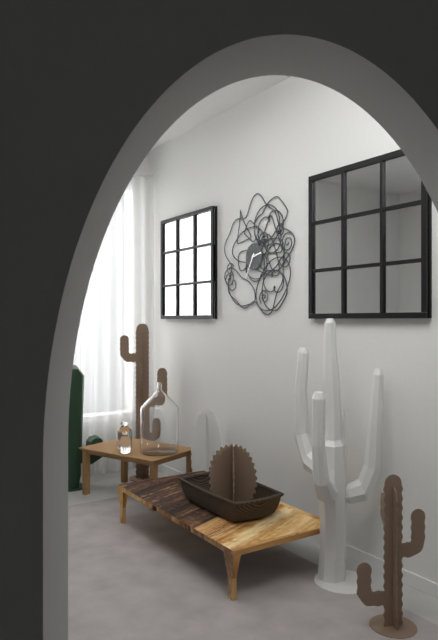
{"hour": 2, "minute": 35}
